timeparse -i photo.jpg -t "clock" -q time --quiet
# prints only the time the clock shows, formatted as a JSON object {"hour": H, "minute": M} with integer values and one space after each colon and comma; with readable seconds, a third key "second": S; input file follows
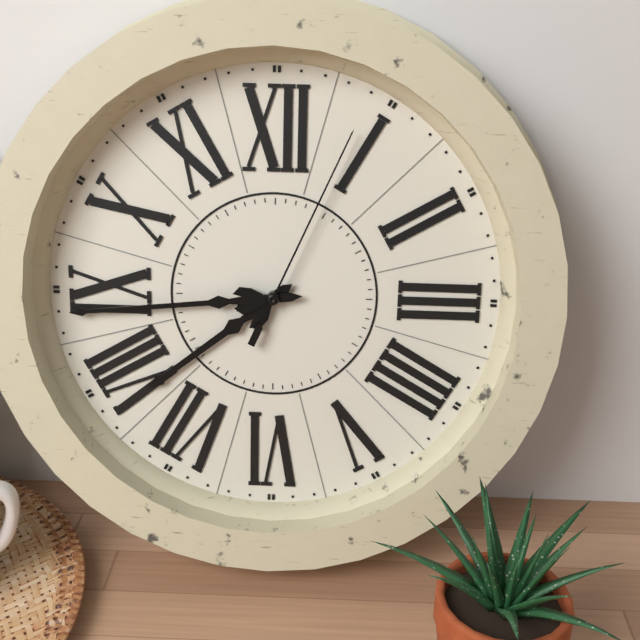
{"hour": 7, "minute": 44, "second": 4}
